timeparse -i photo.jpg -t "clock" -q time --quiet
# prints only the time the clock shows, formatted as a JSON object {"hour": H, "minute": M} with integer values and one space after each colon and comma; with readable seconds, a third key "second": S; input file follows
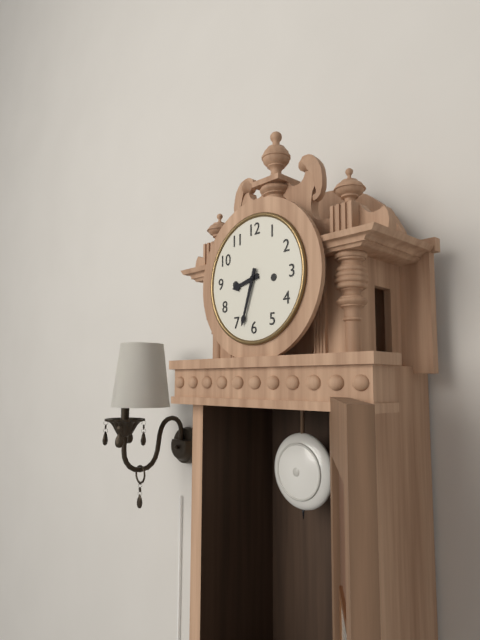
{"hour": 8, "minute": 33}
